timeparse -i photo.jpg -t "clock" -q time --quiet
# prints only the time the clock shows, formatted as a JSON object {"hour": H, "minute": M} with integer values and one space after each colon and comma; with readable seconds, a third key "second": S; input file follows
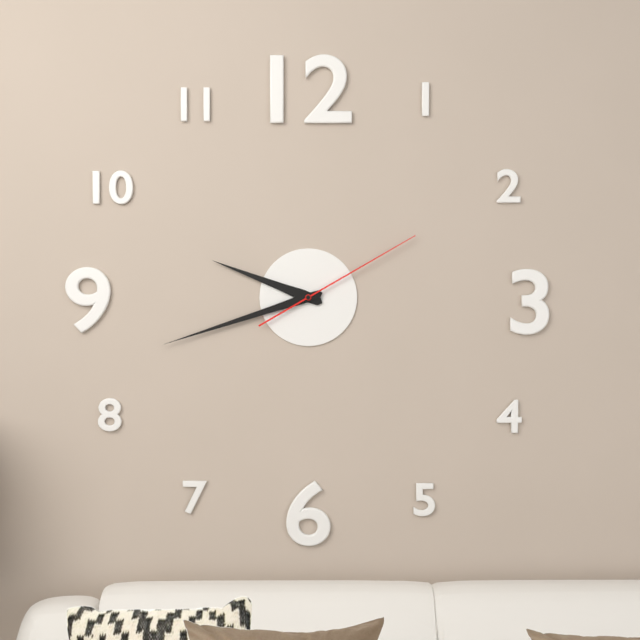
{"hour": 9, "minute": 42, "second": 10}
